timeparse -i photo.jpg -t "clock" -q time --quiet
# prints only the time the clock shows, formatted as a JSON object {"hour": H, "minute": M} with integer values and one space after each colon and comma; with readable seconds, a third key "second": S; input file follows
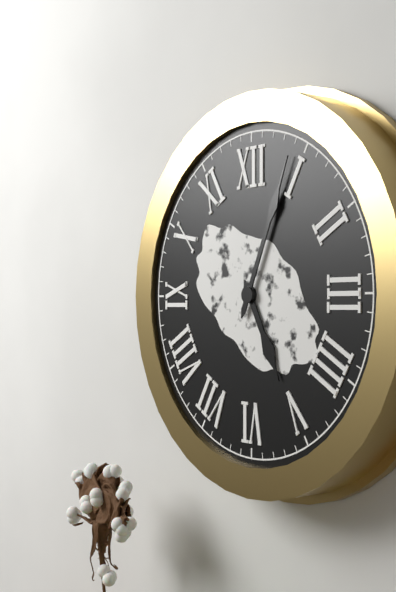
{"hour": 5, "minute": 4}
